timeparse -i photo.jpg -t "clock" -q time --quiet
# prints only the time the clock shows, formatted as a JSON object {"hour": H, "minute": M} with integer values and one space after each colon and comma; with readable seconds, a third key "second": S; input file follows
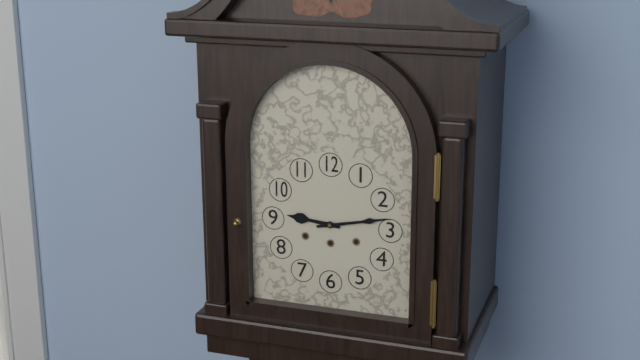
{"hour": 9, "minute": 13}
